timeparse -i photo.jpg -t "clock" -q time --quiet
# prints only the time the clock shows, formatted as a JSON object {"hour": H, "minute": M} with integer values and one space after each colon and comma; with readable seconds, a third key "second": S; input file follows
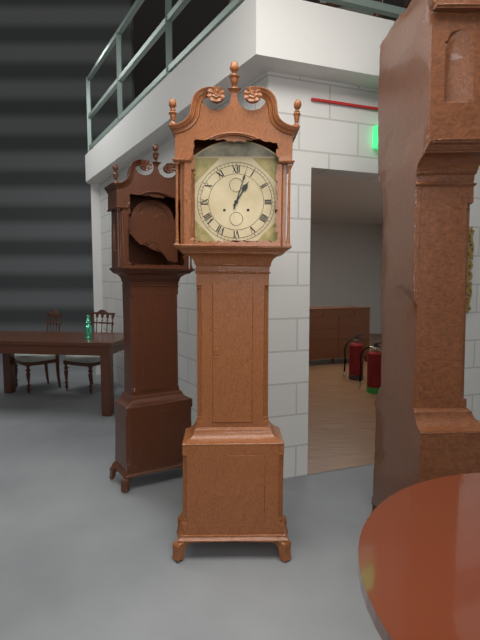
{"hour": 1, "minute": 3}
